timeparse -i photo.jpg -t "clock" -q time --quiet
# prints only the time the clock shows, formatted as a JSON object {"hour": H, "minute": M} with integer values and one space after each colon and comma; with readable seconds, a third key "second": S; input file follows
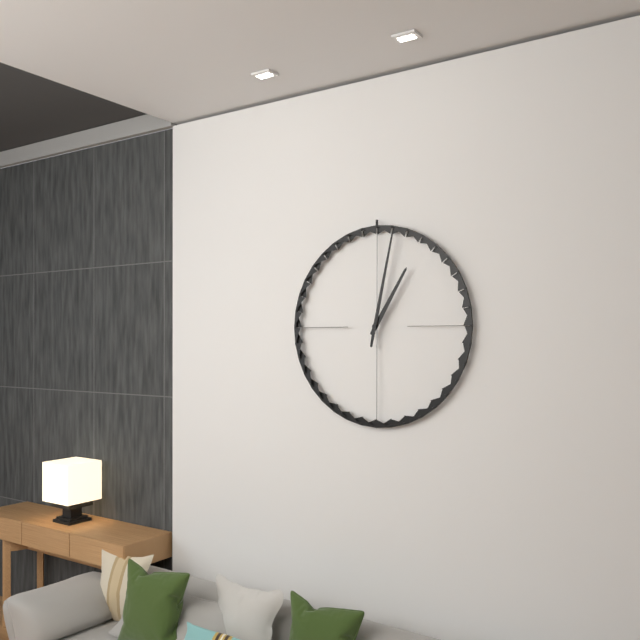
{"hour": 1, "minute": 2}
